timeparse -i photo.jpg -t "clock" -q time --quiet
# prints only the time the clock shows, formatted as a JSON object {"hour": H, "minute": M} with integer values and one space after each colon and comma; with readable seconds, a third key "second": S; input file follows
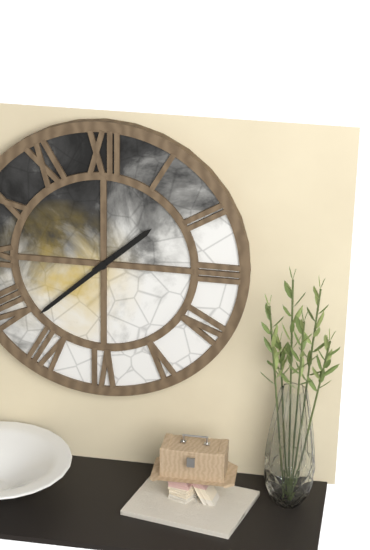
{"hour": 1, "minute": 38}
